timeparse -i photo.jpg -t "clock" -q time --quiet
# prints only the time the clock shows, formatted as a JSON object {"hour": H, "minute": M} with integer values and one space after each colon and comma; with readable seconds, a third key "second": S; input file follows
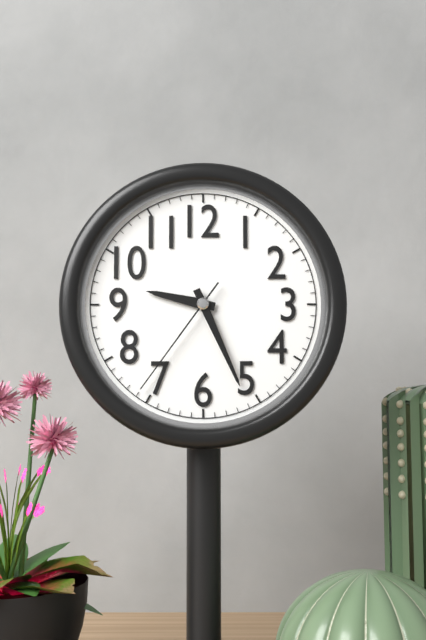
{"hour": 9, "minute": 26, "second": 36}
